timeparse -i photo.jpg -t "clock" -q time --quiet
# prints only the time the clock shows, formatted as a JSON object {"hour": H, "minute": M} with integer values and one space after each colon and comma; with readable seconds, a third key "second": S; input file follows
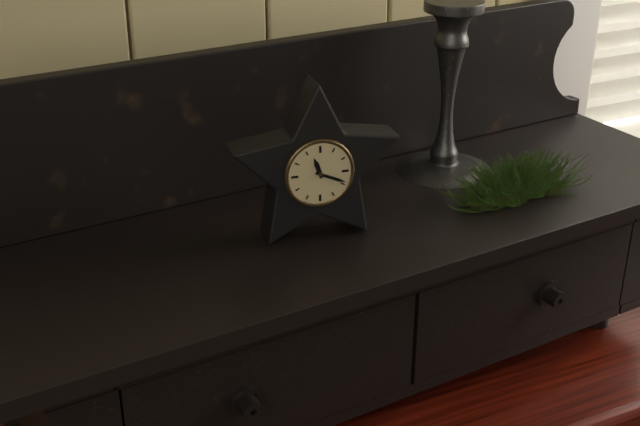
{"hour": 11, "minute": 19}
